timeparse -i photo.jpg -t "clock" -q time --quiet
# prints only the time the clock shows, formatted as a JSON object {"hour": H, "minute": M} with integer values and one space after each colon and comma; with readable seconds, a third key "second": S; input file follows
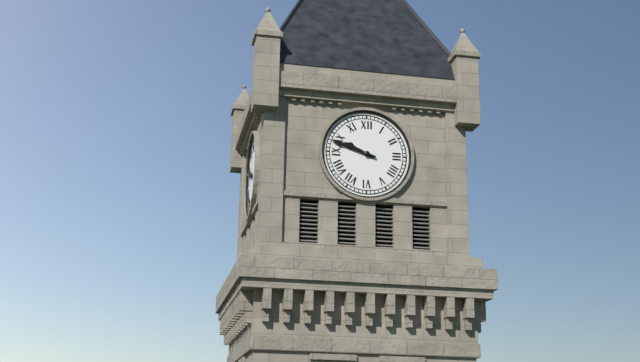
{"hour": 9, "minute": 48}
